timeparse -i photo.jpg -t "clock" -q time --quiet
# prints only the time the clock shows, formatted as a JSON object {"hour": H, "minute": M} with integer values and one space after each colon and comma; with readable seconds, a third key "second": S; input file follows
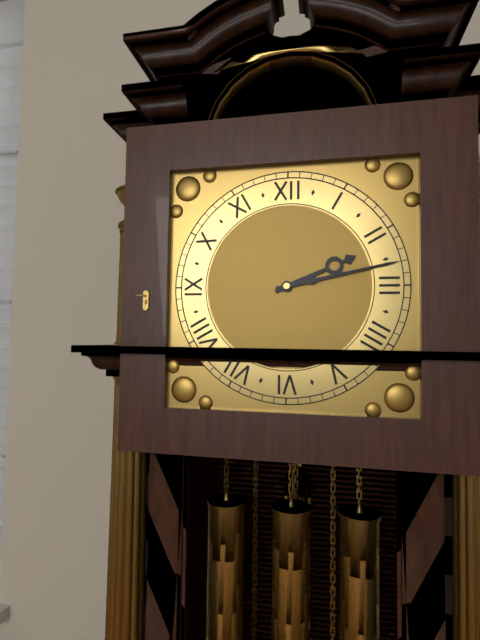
{"hour": 2, "minute": 13}
